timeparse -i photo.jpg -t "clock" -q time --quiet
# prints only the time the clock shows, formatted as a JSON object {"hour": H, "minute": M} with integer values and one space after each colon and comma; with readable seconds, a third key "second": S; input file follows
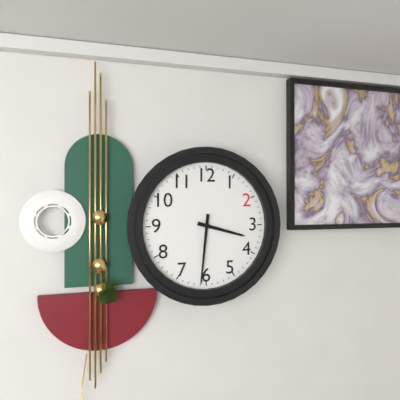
{"hour": 3, "minute": 31}
